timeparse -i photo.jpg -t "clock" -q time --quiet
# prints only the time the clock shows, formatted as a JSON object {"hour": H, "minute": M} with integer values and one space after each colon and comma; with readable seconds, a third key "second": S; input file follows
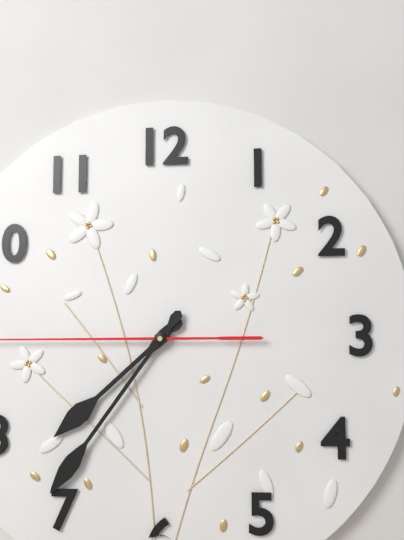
{"hour": 7, "minute": 36}
